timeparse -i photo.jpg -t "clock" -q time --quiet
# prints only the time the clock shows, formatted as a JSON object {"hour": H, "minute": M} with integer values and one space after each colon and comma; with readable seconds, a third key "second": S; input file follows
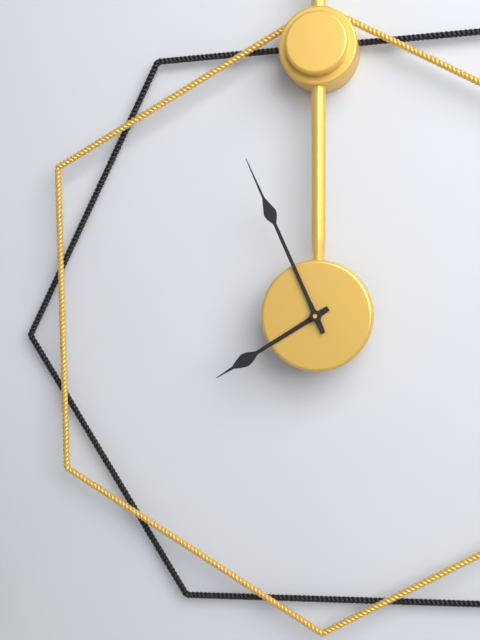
{"hour": 7, "minute": 56}
